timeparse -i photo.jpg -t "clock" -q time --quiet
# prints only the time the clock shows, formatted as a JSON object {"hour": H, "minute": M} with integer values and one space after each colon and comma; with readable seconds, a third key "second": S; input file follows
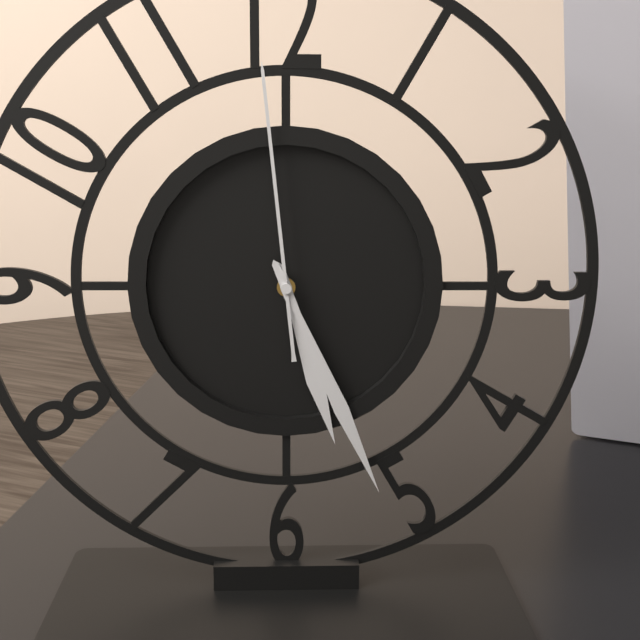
{"hour": 5, "minute": 26, "second": 59}
